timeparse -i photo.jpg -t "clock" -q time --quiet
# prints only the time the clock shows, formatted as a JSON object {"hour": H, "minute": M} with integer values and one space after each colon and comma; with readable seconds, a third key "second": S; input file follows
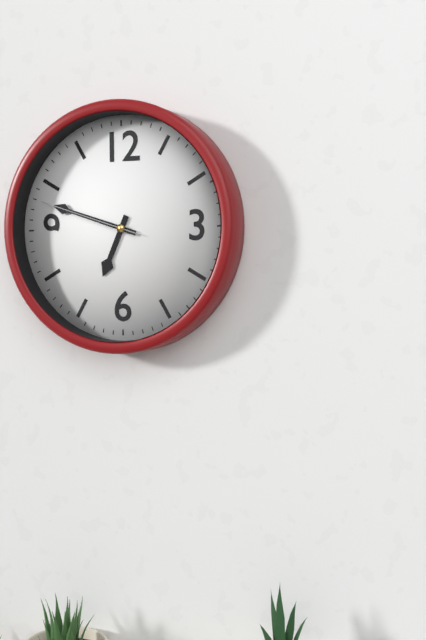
{"hour": 6, "minute": 48, "second": 48}
